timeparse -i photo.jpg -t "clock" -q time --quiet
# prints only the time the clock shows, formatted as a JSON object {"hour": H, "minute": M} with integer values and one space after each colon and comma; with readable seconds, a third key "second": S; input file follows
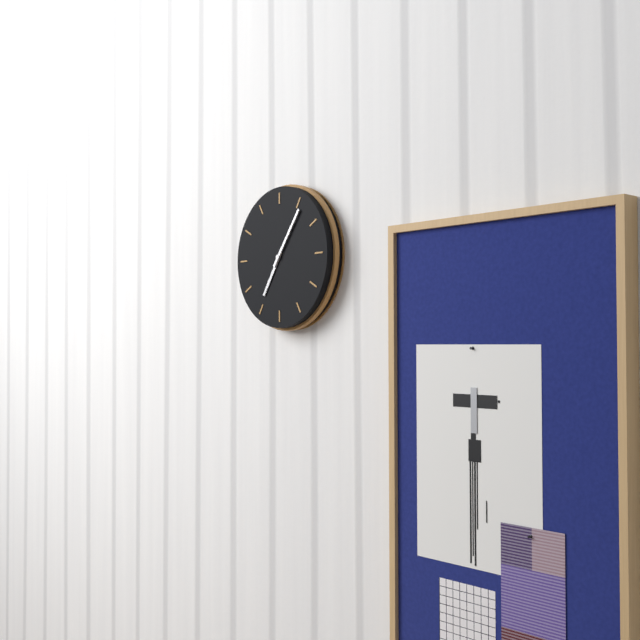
{"hour": 7, "minute": 6}
